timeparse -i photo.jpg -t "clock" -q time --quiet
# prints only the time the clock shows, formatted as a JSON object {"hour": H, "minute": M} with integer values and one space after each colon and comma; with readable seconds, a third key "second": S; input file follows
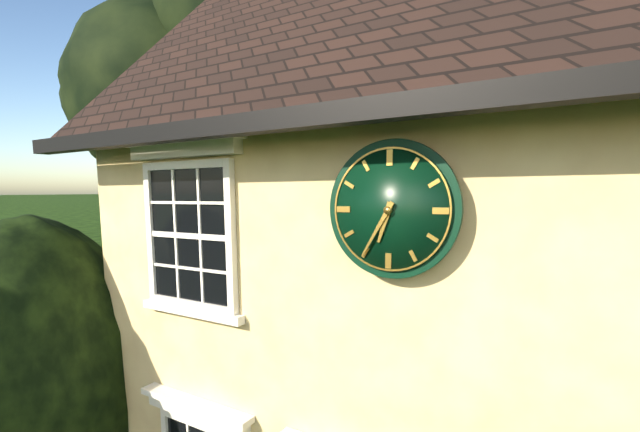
{"hour": 6, "minute": 35}
